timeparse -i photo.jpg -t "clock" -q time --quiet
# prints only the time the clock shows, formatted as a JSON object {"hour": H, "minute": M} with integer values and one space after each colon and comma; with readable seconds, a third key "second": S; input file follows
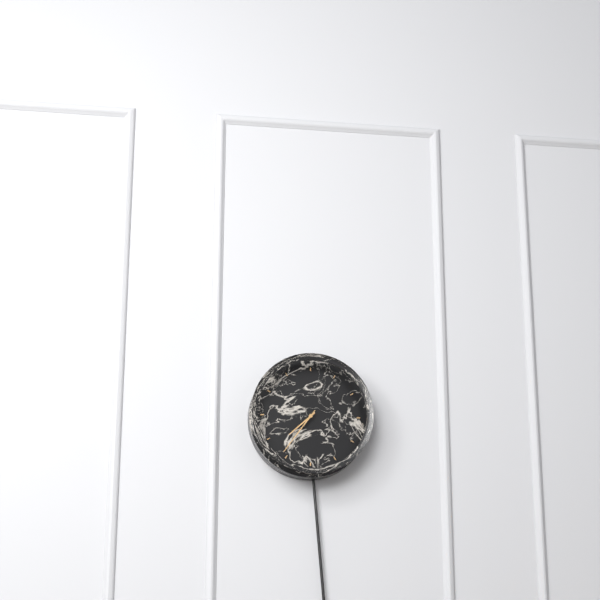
{"hour": 7, "minute": 36}
